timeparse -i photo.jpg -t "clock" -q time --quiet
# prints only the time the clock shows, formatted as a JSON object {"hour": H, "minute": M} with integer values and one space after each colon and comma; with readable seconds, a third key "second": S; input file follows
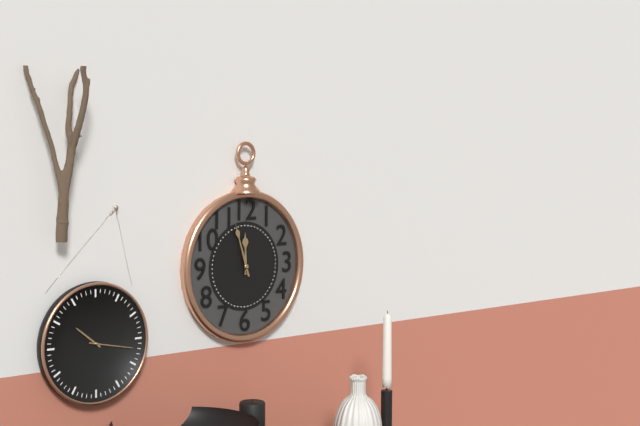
{"hour": 11, "minute": 57}
